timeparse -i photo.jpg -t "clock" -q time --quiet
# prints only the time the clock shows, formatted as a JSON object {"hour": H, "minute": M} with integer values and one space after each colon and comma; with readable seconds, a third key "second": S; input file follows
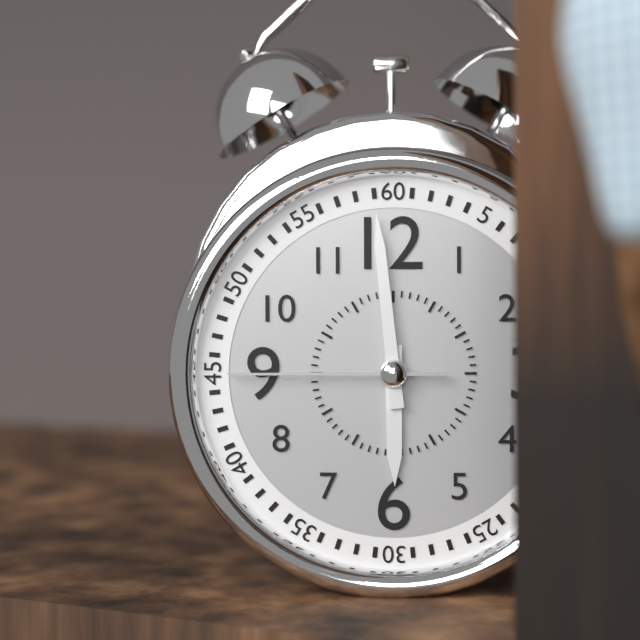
{"hour": 5, "minute": 59, "second": 45}
